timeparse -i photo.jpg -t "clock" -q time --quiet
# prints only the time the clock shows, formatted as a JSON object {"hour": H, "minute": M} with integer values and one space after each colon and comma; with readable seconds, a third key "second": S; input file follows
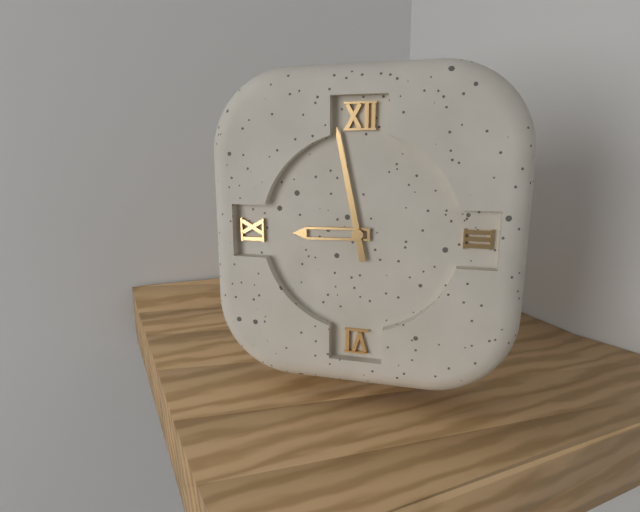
{"hour": 8, "minute": 58}
